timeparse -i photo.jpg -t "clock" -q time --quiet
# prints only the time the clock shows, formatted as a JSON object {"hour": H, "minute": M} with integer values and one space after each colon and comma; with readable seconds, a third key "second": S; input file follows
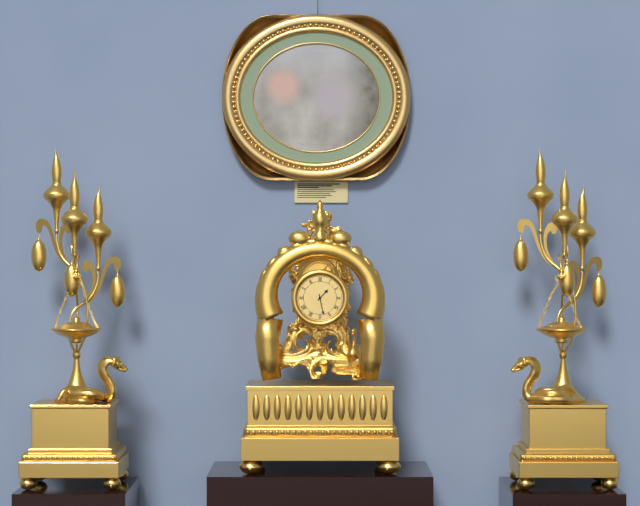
{"hour": 1, "minute": 28}
